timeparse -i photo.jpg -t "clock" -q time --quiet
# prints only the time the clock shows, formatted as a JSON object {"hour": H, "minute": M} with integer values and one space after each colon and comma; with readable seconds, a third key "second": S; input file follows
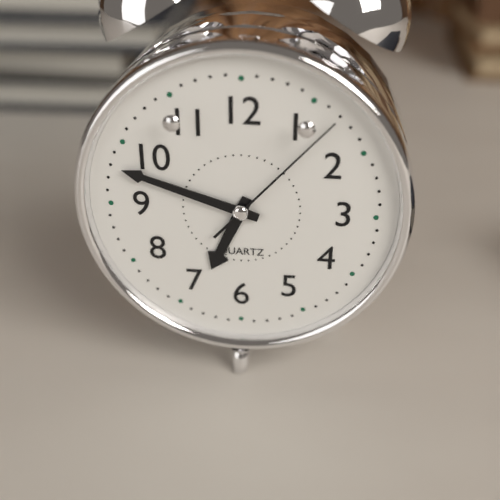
{"hour": 6, "minute": 48, "second": 7}
